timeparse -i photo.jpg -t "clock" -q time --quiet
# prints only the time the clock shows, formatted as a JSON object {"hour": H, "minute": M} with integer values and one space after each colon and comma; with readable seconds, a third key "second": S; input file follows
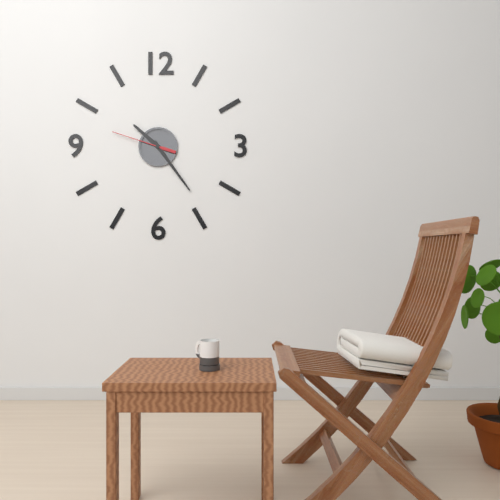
{"hour": 10, "minute": 24, "second": 48}
